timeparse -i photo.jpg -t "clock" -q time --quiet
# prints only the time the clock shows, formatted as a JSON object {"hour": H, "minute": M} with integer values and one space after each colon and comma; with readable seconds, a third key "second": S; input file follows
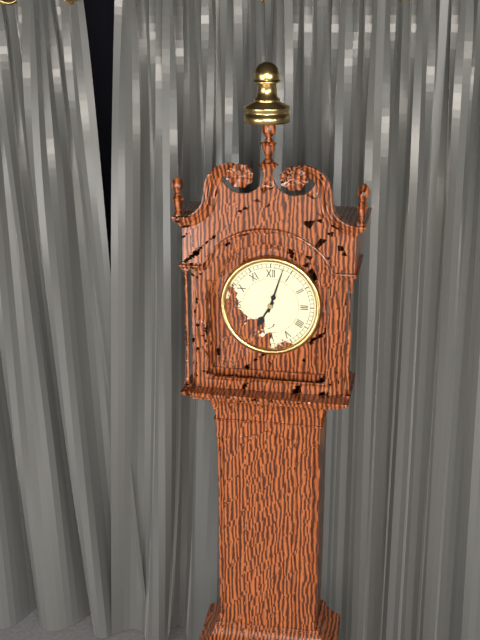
{"hour": 7, "minute": 3}
